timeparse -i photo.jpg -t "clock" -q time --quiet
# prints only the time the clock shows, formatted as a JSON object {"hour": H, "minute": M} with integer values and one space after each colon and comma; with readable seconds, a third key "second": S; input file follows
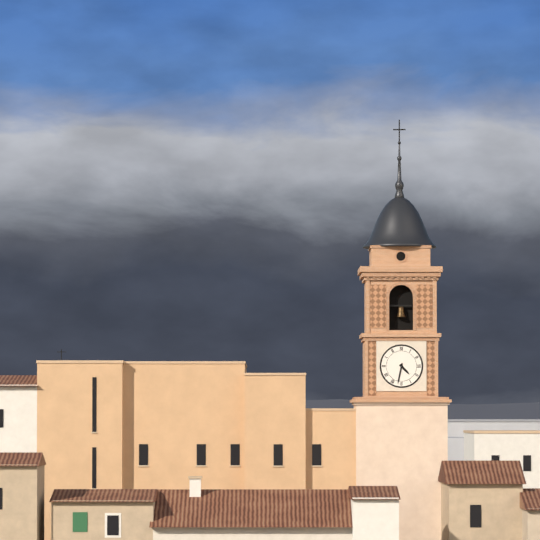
{"hour": 4, "minute": 32}
